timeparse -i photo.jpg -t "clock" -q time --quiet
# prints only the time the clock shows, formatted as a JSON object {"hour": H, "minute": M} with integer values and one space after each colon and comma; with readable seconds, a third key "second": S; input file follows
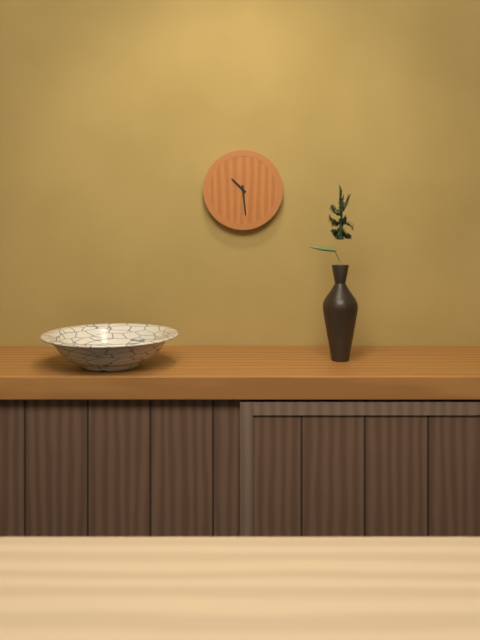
{"hour": 10, "minute": 29}
